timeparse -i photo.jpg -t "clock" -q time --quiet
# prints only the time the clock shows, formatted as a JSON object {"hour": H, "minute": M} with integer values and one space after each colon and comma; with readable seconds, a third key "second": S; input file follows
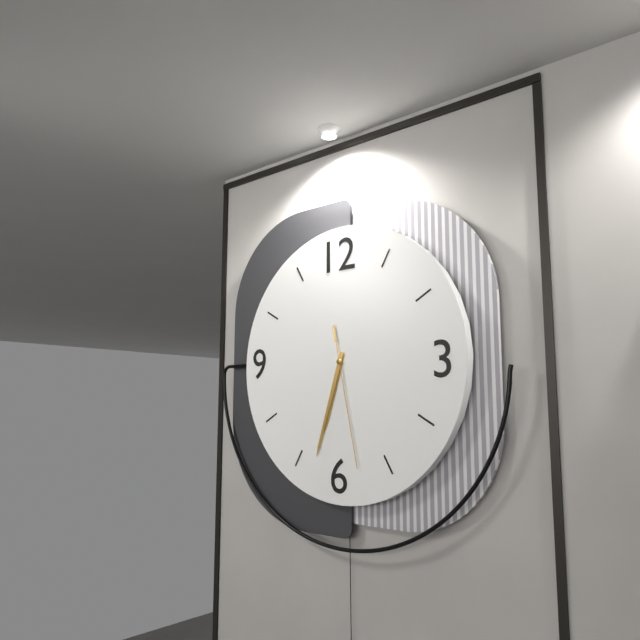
{"hour": 6, "minute": 33, "second": 28}
